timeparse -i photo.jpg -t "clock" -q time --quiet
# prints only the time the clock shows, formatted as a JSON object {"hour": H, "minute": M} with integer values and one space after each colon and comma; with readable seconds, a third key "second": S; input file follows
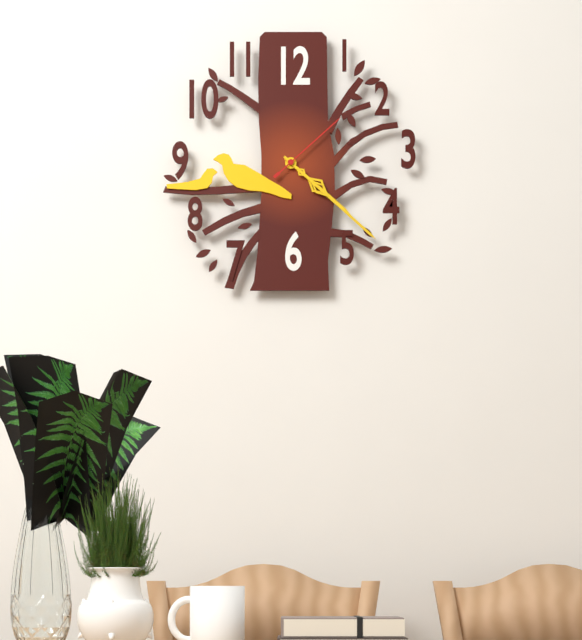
{"hour": 4, "minute": 22, "second": 8}
